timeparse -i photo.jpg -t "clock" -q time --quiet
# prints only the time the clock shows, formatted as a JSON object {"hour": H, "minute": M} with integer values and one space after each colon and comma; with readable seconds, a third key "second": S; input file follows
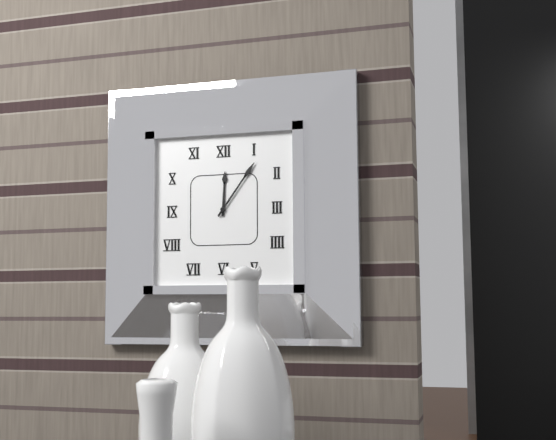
{"hour": 12, "minute": 6}
